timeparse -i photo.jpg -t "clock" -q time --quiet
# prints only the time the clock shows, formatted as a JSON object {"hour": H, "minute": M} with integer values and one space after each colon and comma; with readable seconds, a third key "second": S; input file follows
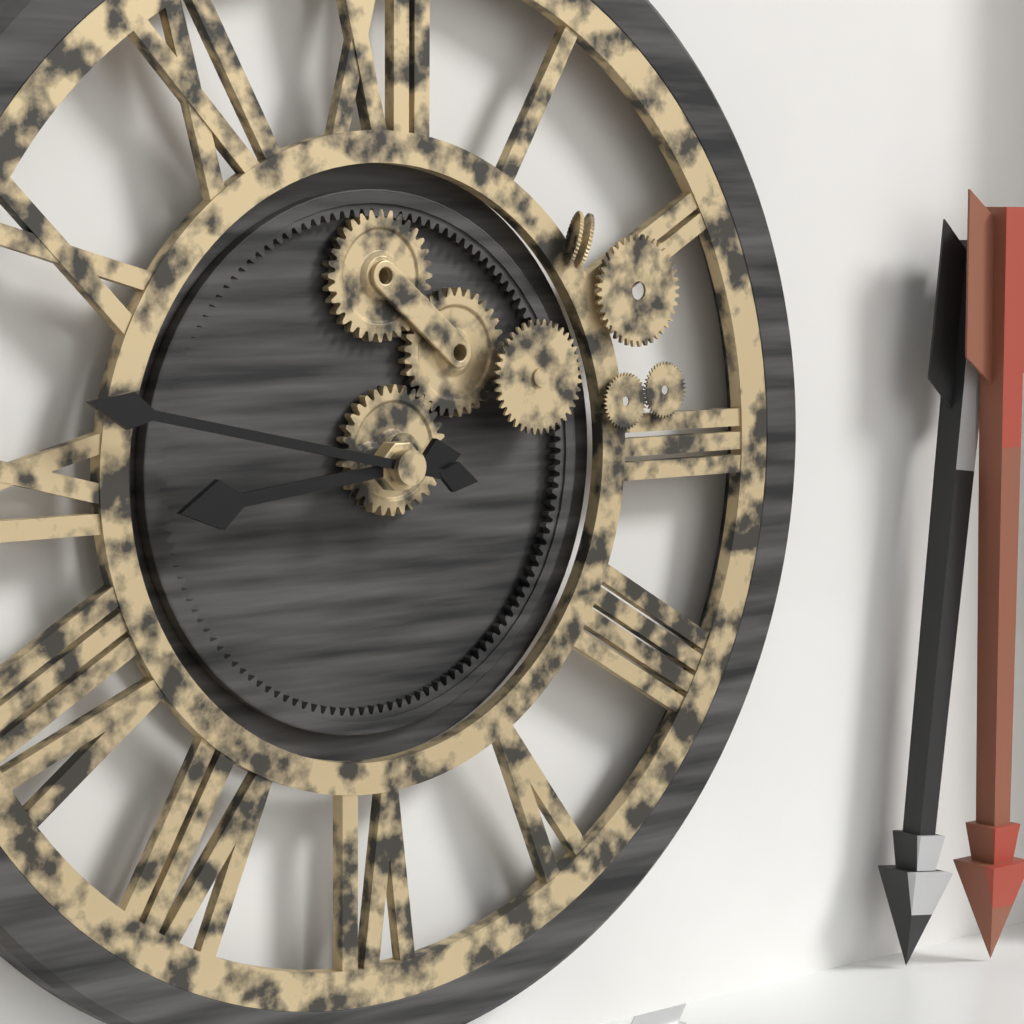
{"hour": 8, "minute": 47}
